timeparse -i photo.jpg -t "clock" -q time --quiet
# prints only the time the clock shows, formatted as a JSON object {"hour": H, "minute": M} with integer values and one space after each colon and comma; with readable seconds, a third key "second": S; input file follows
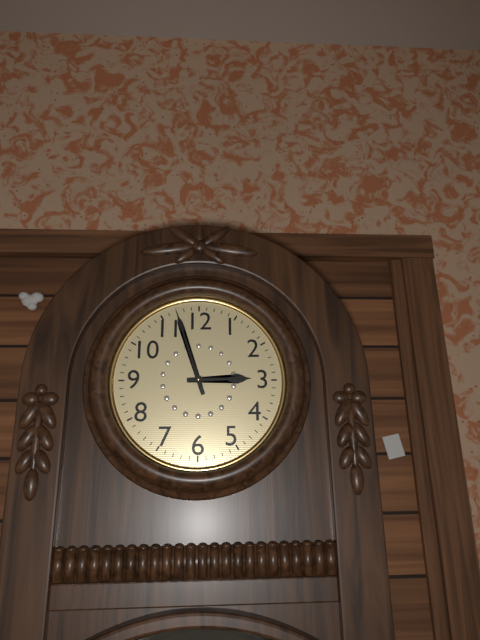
{"hour": 2, "minute": 57}
